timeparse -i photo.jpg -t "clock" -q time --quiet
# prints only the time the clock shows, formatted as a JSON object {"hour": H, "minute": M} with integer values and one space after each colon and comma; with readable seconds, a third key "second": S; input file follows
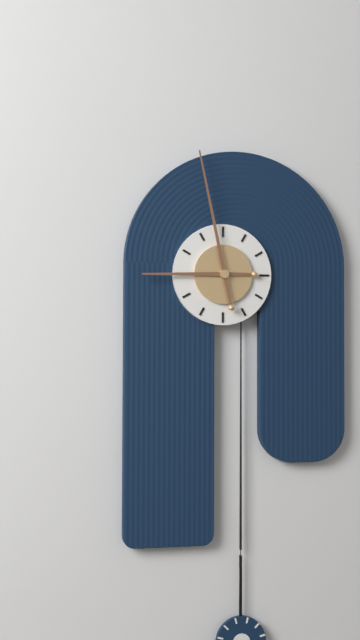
{"hour": 8, "minute": 58}
